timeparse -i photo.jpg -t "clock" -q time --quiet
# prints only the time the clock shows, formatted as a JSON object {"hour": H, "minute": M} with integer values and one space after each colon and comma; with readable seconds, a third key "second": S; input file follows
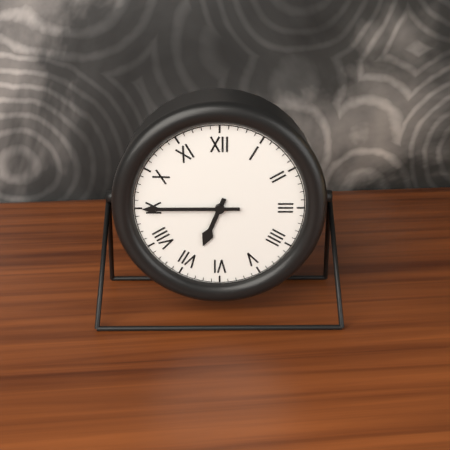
{"hour": 6, "minute": 45}
